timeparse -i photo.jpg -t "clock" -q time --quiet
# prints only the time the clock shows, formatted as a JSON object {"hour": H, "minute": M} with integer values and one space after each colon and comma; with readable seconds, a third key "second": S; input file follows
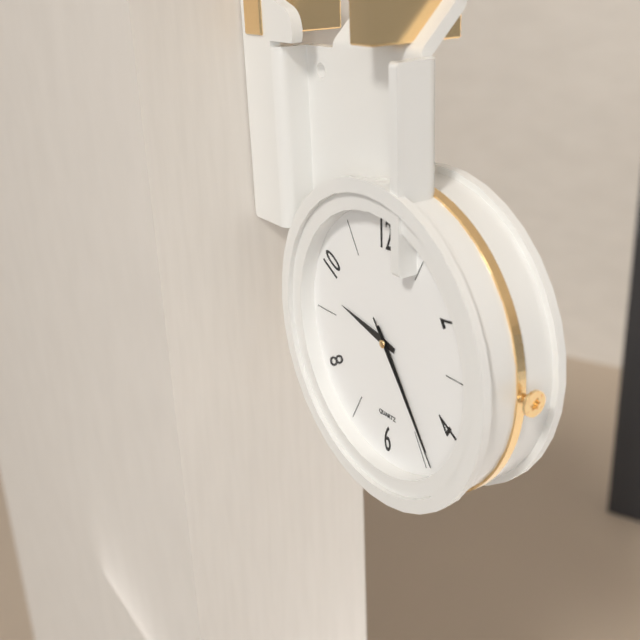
{"hour": 9, "minute": 24, "second": 24}
